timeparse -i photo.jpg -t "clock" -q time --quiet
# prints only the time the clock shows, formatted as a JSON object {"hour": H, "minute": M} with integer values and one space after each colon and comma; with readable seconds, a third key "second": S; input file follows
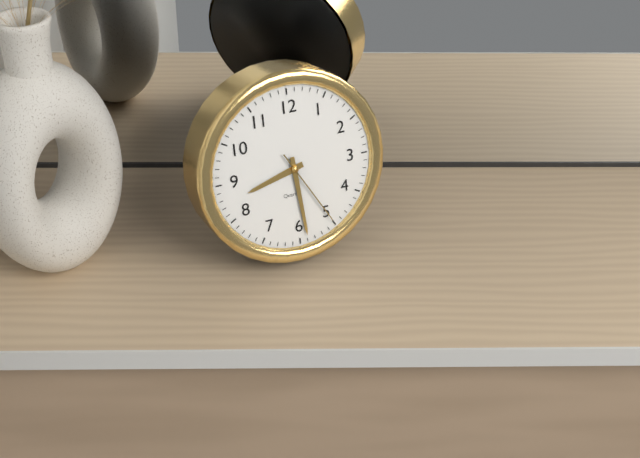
{"hour": 8, "minute": 29, "second": 25}
